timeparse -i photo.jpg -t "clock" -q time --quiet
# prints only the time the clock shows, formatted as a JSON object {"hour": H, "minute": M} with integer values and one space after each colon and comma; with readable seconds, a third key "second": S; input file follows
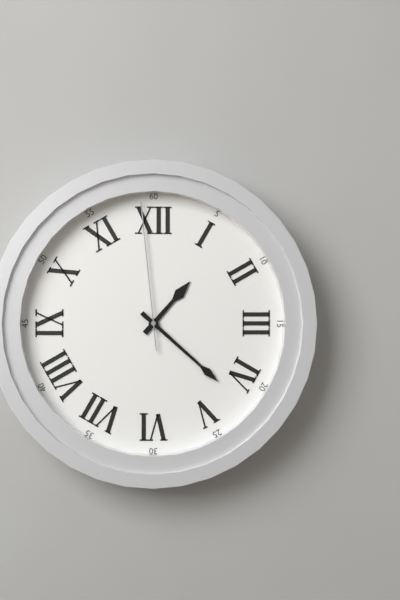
{"hour": 1, "minute": 22, "second": 59}
